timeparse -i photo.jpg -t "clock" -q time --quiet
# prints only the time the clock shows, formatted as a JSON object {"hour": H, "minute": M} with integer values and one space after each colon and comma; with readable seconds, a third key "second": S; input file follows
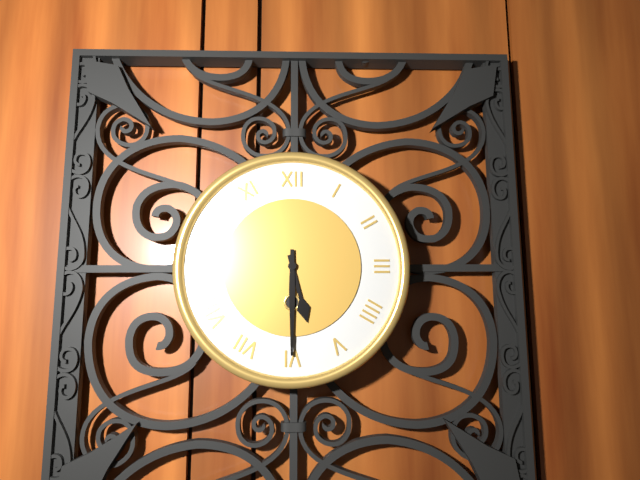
{"hour": 5, "minute": 30}
